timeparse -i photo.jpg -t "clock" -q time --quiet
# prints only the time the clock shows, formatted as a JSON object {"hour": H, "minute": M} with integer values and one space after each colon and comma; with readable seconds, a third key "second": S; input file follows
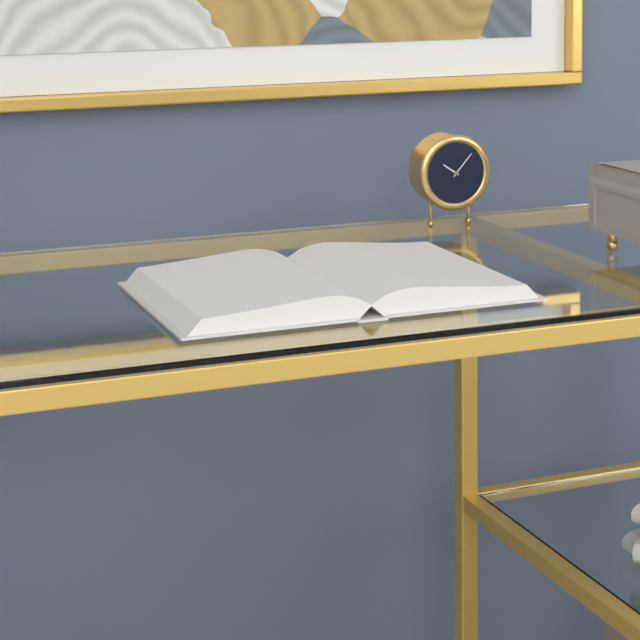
{"hour": 10, "minute": 7}
